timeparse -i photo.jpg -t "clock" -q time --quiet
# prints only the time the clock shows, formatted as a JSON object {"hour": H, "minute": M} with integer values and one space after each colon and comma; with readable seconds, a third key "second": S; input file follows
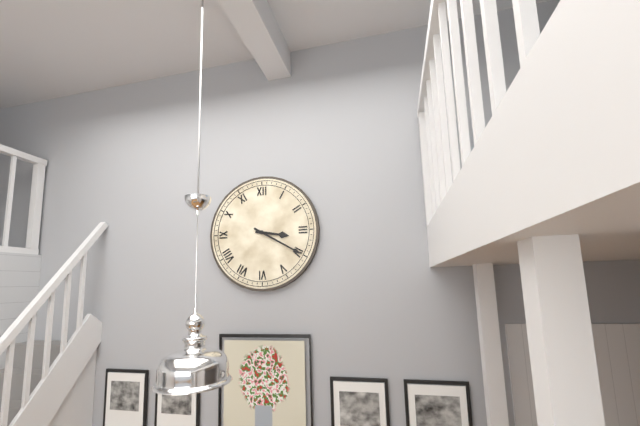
{"hour": 3, "minute": 20}
